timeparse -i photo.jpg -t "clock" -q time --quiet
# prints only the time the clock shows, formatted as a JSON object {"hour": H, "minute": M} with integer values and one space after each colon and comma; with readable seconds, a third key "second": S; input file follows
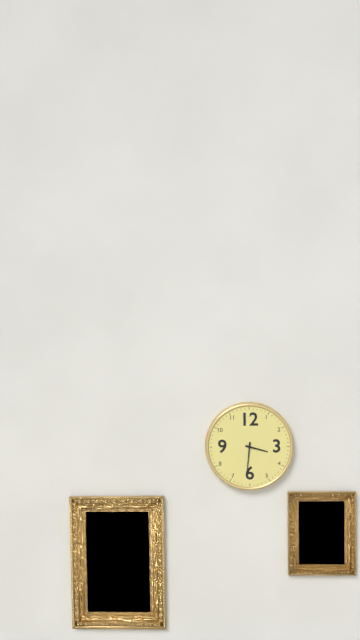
{"hour": 3, "minute": 31}
